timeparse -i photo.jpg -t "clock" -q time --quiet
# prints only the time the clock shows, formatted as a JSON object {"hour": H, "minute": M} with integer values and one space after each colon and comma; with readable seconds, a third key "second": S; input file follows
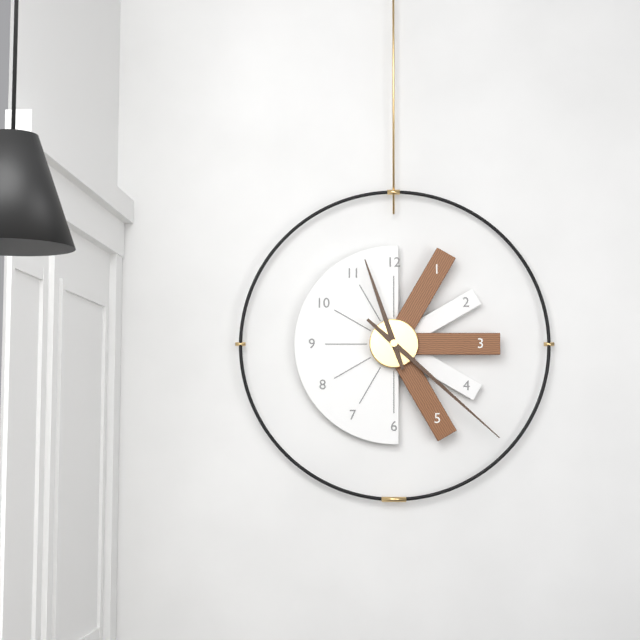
{"hour": 11, "minute": 22}
